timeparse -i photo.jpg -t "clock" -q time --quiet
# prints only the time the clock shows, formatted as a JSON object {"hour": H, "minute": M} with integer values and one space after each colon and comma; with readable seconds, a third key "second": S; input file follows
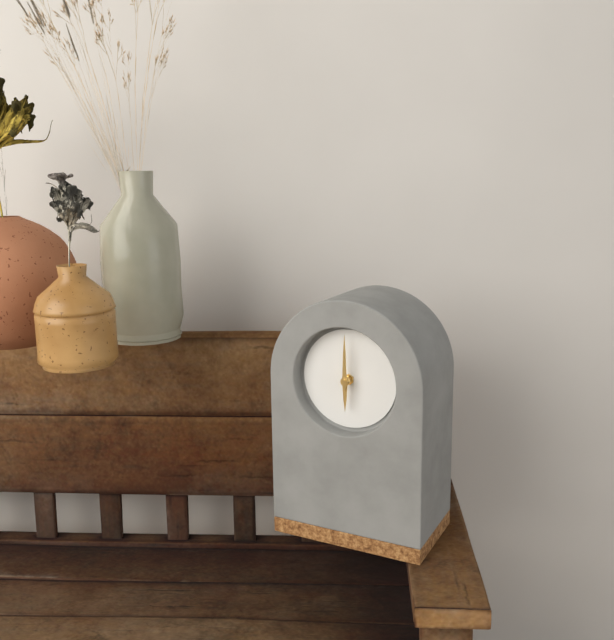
{"hour": 6, "minute": 0}
